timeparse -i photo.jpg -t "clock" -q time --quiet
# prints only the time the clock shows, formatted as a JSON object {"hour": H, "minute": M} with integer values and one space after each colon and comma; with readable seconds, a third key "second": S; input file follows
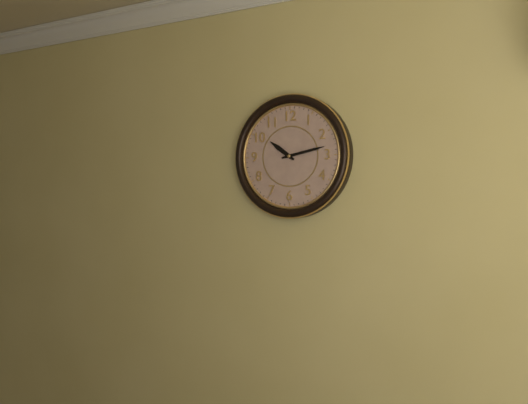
{"hour": 10, "minute": 13}
